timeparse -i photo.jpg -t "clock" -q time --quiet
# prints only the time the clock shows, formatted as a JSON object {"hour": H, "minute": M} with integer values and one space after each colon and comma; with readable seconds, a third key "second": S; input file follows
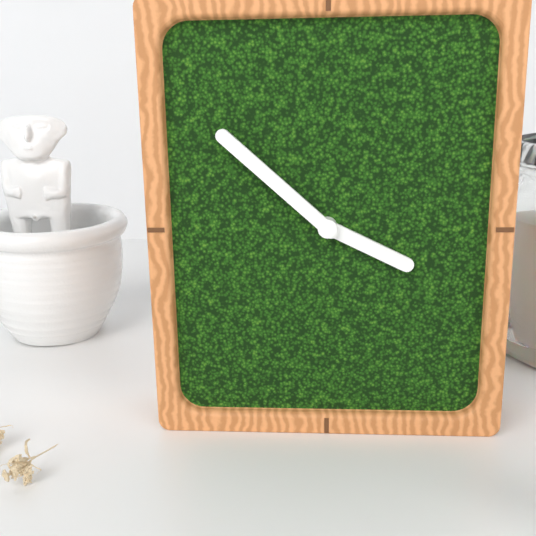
{"hour": 3, "minute": 52}
